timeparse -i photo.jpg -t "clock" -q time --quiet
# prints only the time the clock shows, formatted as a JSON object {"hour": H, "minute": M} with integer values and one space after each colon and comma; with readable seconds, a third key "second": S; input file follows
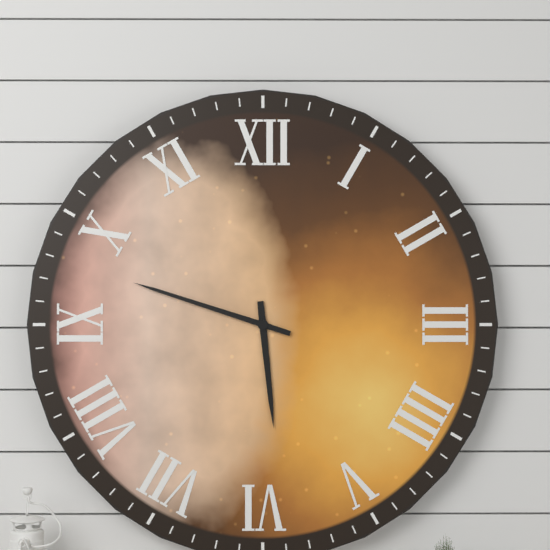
{"hour": 5, "minute": 48}
